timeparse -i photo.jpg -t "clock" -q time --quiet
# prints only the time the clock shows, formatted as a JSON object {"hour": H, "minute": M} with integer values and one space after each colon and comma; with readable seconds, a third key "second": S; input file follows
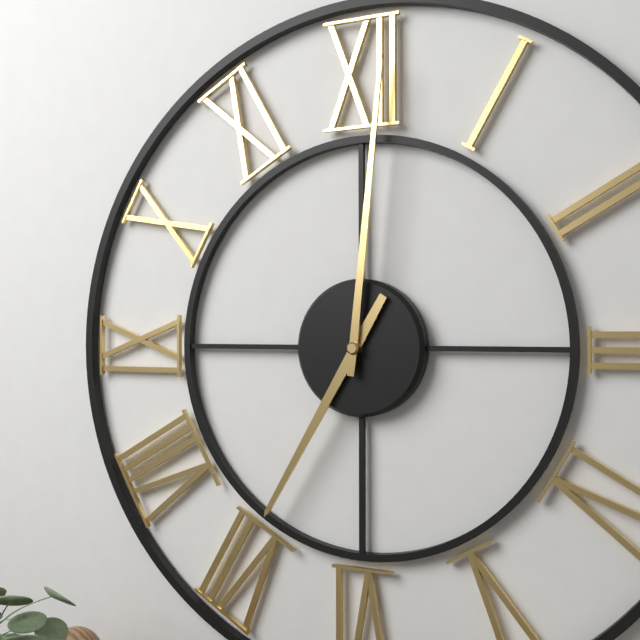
{"hour": 7, "minute": 1}
